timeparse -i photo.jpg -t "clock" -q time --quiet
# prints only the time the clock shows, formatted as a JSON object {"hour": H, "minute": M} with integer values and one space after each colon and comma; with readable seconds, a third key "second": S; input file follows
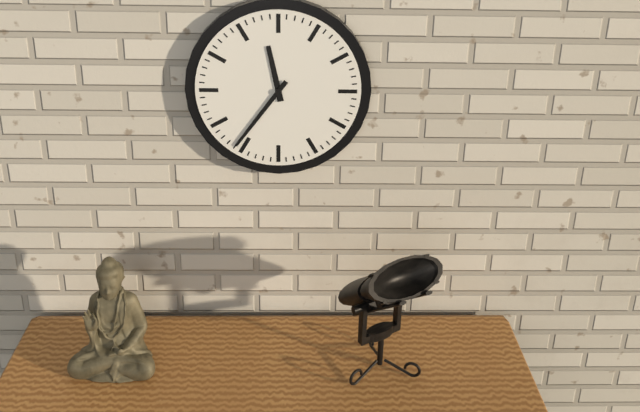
{"hour": 11, "minute": 36}
